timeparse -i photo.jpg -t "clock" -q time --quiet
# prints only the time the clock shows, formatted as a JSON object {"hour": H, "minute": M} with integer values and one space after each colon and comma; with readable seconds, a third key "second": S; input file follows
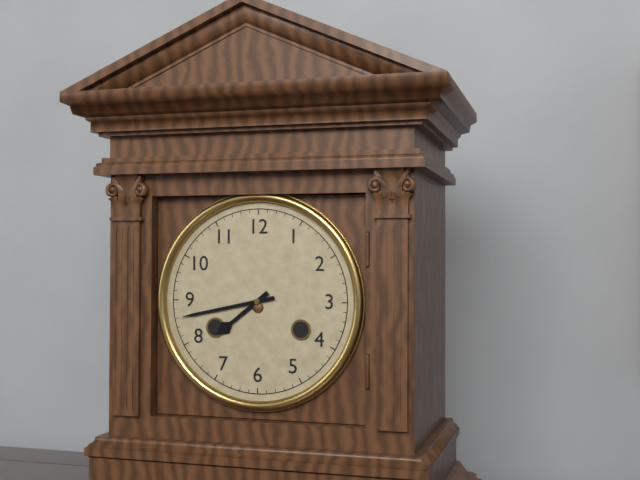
{"hour": 7, "minute": 43}
